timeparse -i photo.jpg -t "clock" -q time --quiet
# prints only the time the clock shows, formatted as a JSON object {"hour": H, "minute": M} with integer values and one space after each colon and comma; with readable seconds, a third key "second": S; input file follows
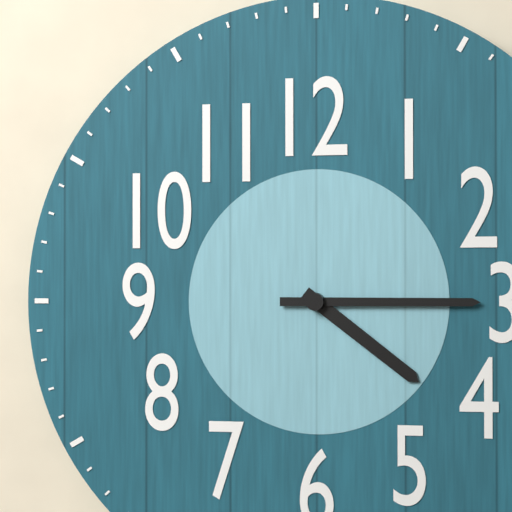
{"hour": 4, "minute": 15}
